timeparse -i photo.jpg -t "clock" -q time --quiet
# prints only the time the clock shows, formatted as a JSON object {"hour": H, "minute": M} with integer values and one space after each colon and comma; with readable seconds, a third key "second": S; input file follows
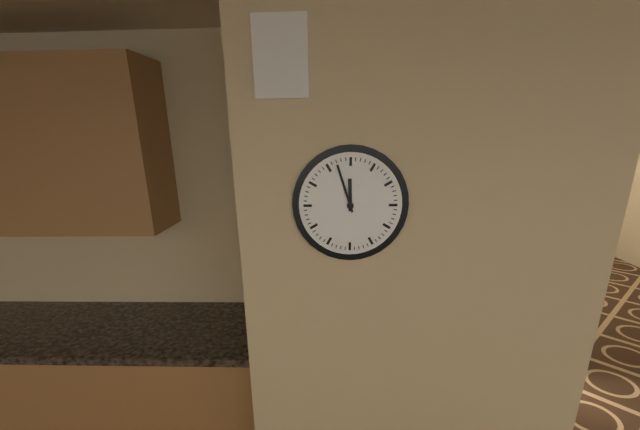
{"hour": 11, "minute": 57}
